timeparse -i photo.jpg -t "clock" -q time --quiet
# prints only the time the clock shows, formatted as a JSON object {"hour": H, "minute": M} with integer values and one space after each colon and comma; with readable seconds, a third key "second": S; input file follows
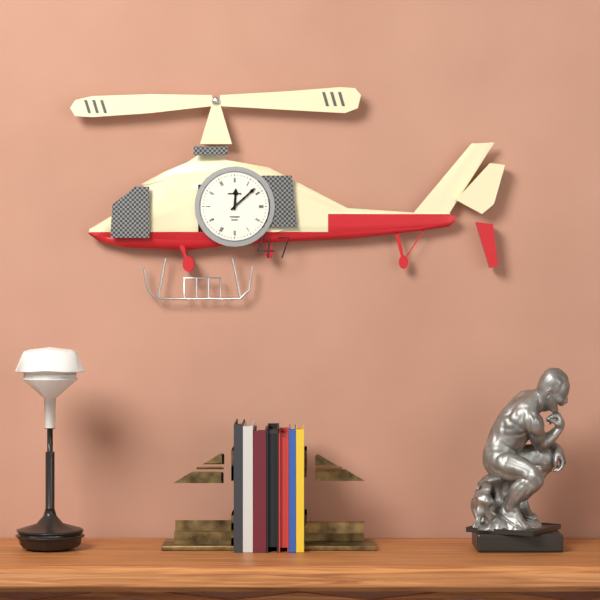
{"hour": 12, "minute": 8}
